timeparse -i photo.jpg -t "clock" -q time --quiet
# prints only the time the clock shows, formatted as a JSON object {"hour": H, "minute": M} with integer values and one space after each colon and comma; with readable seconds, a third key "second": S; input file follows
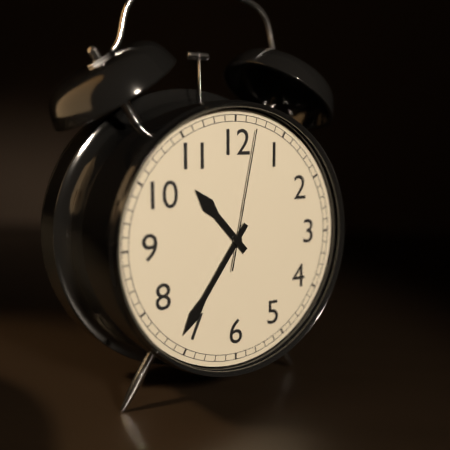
{"hour": 10, "minute": 36, "second": 2}
